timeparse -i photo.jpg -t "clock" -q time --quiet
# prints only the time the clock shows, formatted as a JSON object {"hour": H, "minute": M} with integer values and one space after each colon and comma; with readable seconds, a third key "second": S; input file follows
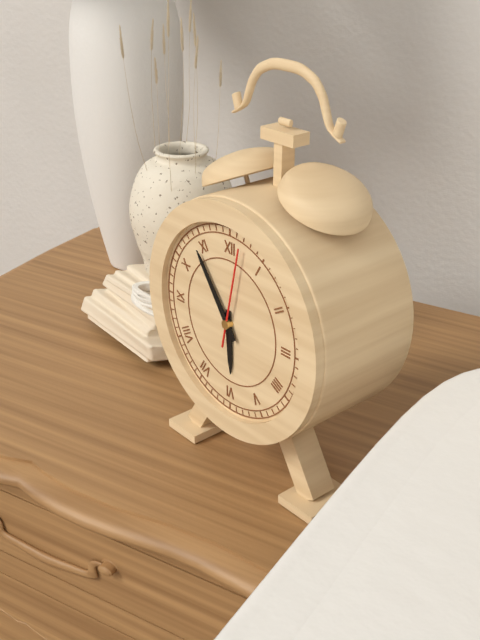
{"hour": 5, "minute": 54, "second": 2}
